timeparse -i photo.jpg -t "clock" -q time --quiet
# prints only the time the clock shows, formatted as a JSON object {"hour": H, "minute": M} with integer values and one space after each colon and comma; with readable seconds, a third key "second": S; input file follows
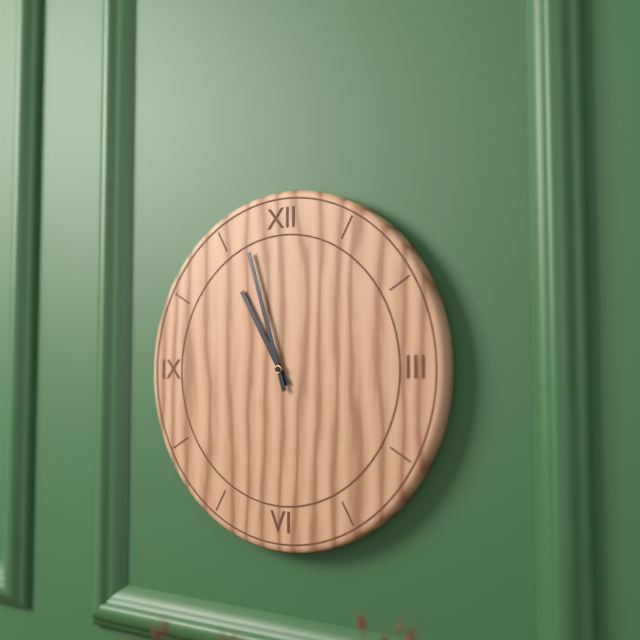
{"hour": 10, "minute": 57}
